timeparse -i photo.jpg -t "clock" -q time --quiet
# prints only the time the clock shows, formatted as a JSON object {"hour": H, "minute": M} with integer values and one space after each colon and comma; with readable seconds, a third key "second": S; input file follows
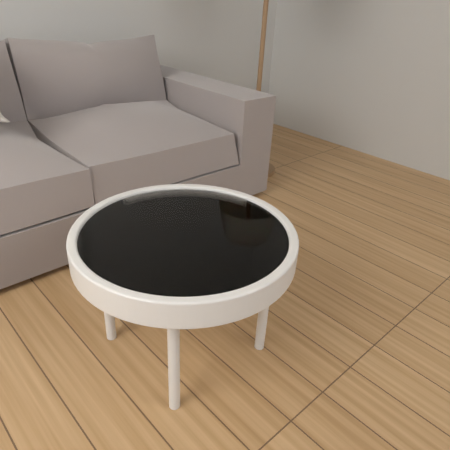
{"hour": 11, "minute": 51}
